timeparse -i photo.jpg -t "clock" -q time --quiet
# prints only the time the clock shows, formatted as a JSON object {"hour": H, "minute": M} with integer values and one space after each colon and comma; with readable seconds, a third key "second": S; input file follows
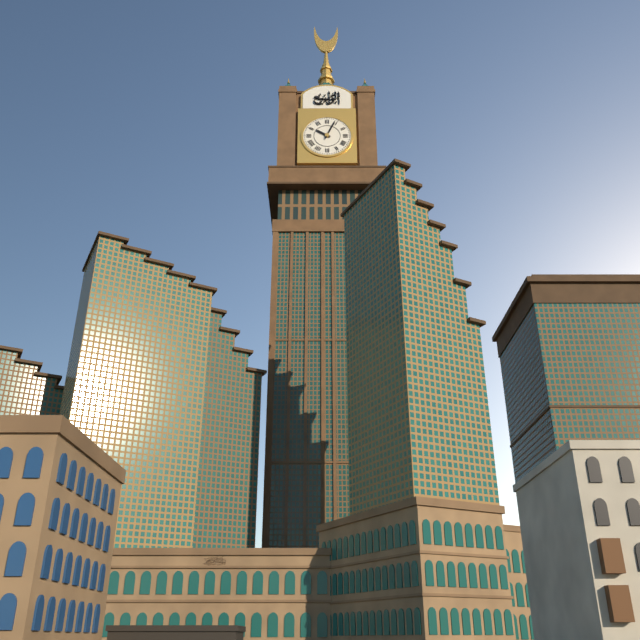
{"hour": 10, "minute": 4}
